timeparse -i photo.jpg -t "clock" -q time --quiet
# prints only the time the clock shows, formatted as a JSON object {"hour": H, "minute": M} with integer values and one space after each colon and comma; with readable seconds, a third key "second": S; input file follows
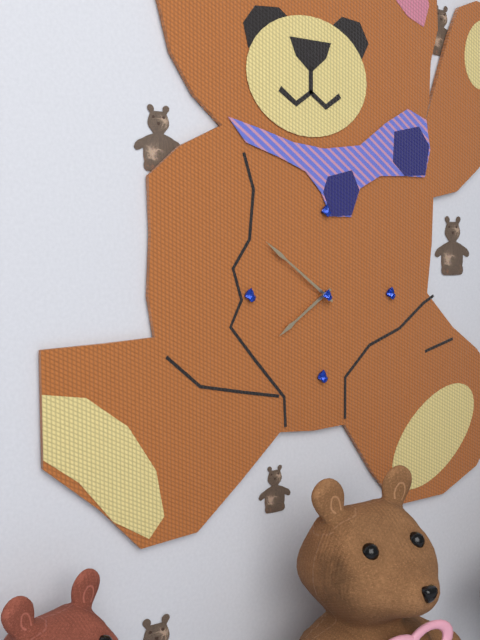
{"hour": 7, "minute": 51}
